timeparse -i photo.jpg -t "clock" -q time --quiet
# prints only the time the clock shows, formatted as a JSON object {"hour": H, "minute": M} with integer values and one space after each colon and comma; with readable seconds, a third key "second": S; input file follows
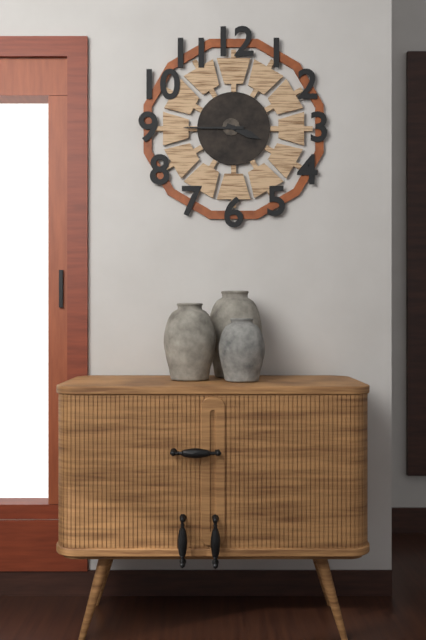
{"hour": 3, "minute": 45}
